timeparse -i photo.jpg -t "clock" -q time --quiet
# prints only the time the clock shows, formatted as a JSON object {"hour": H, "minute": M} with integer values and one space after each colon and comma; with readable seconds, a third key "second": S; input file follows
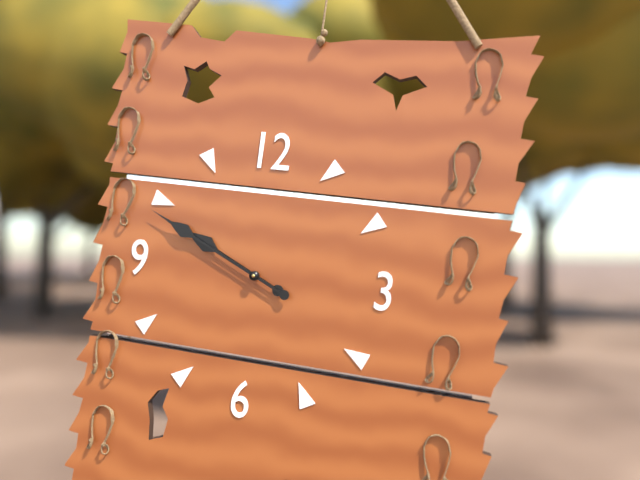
{"hour": 9, "minute": 49}
